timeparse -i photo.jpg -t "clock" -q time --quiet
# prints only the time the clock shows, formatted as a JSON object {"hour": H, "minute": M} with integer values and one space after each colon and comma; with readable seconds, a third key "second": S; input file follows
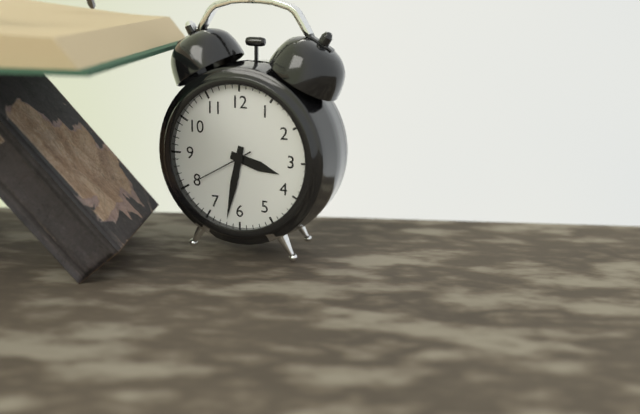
{"hour": 3, "minute": 32, "second": 40}
